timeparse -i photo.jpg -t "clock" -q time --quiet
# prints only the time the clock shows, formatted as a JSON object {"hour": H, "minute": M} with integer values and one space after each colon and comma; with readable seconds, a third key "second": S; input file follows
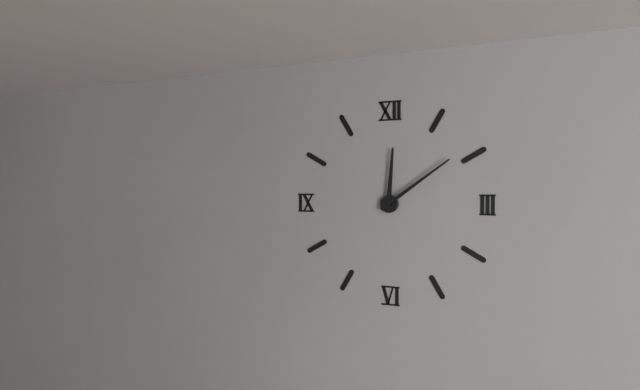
{"hour": 12, "minute": 9}
